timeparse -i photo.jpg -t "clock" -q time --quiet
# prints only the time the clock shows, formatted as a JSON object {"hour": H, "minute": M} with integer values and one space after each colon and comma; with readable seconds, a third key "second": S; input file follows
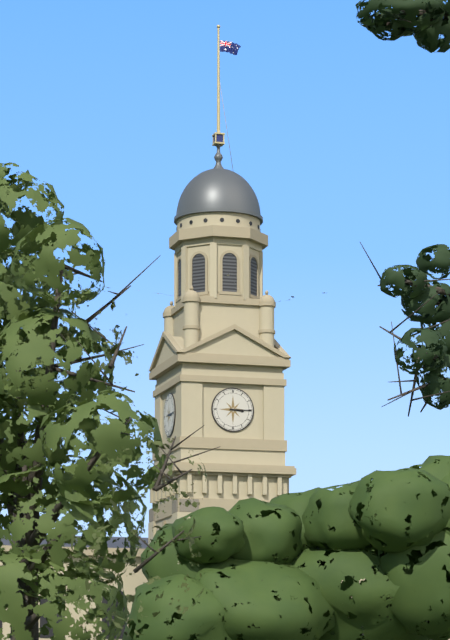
{"hour": 3, "minute": 15}
